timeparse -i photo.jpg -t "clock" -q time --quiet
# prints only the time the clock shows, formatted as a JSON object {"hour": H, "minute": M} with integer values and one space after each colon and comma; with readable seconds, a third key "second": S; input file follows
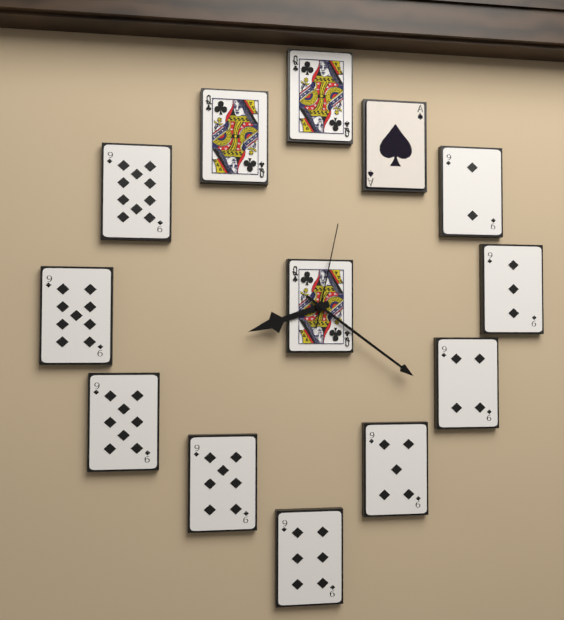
{"hour": 8, "minute": 21, "second": 2}
